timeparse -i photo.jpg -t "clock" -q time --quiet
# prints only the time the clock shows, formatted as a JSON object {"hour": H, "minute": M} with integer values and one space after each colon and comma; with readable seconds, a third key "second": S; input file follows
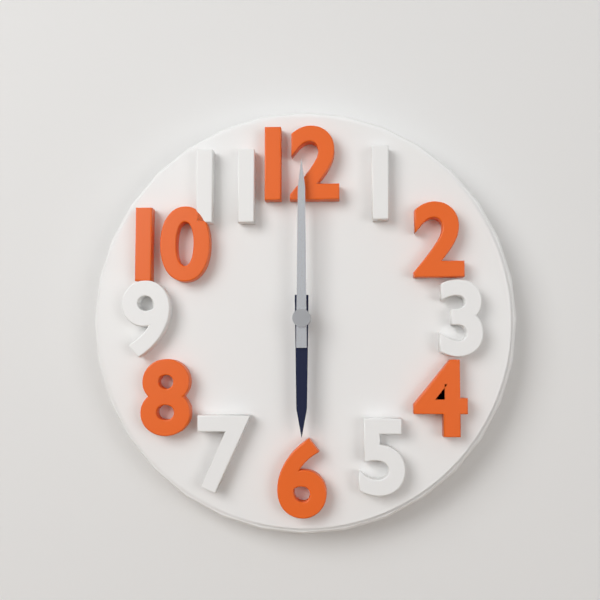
{"hour": 6, "minute": 0}
